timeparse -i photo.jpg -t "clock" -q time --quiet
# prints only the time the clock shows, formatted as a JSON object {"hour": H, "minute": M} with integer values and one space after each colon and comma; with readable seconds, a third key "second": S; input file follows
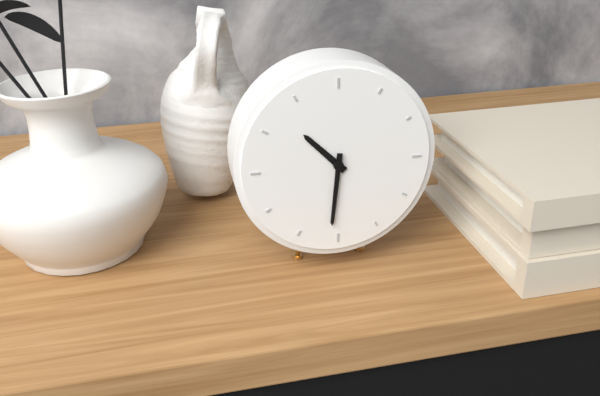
{"hour": 10, "minute": 31}
